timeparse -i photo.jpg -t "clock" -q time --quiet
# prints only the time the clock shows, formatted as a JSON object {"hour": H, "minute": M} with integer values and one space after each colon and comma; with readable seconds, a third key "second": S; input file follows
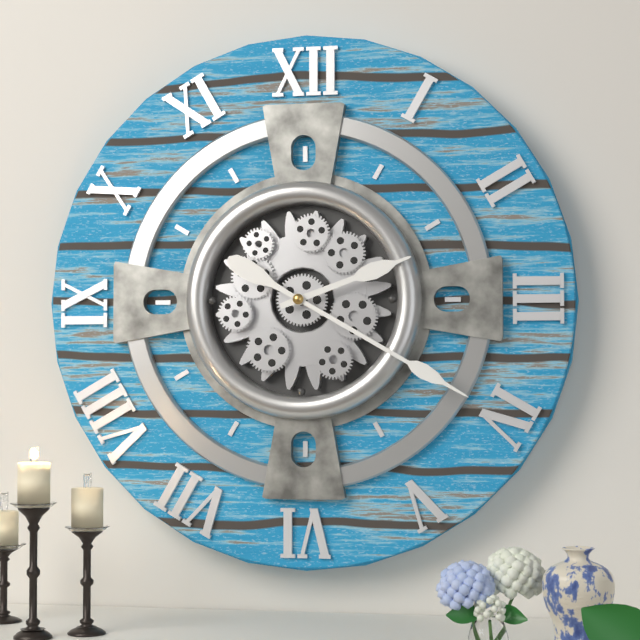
{"hour": 2, "minute": 20}
